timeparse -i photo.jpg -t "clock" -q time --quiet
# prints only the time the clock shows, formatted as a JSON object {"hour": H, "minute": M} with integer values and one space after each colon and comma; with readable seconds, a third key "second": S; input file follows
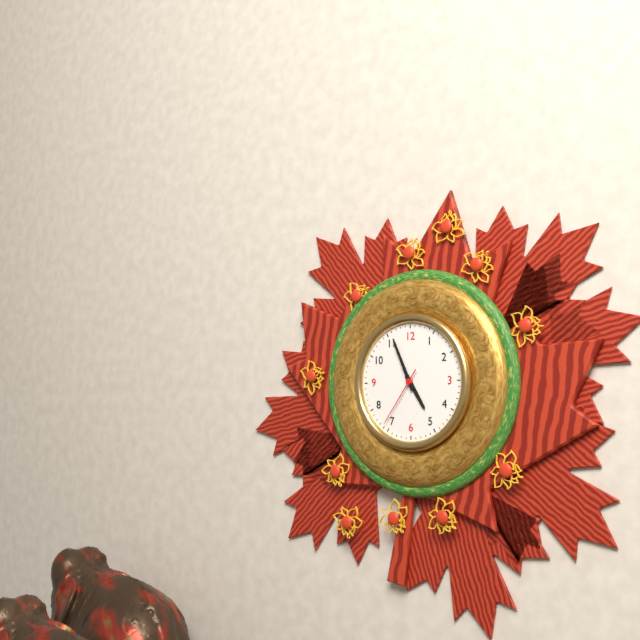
{"hour": 4, "minute": 56, "second": 36}
